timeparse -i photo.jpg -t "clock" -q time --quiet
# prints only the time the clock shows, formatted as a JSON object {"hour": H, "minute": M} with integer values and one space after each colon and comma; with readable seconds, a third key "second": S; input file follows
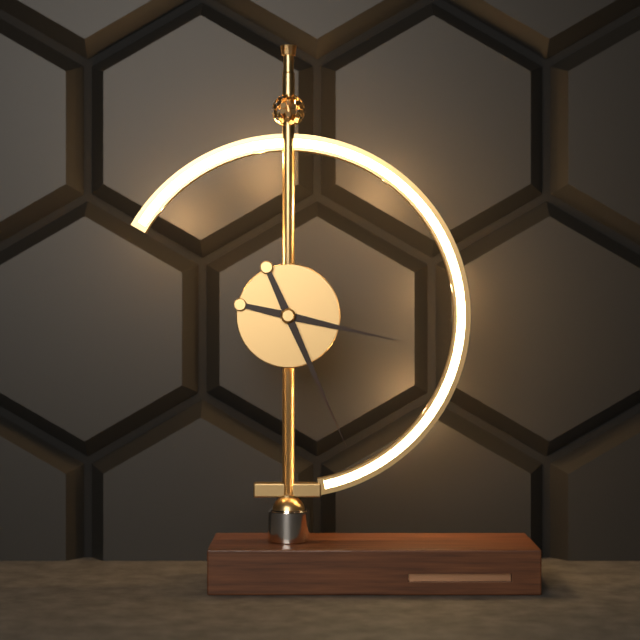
{"hour": 3, "minute": 26}
